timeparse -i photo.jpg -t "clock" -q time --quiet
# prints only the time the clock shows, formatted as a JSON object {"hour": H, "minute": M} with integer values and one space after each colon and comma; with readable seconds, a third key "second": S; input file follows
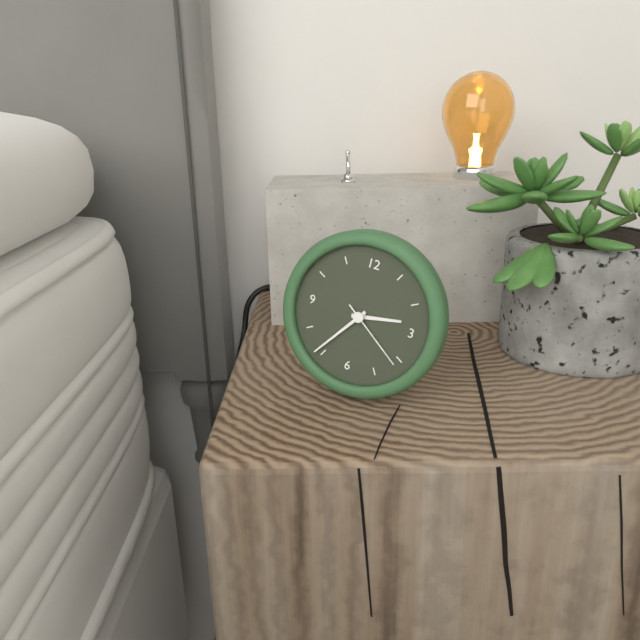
{"hour": 2, "minute": 36, "second": 21}
